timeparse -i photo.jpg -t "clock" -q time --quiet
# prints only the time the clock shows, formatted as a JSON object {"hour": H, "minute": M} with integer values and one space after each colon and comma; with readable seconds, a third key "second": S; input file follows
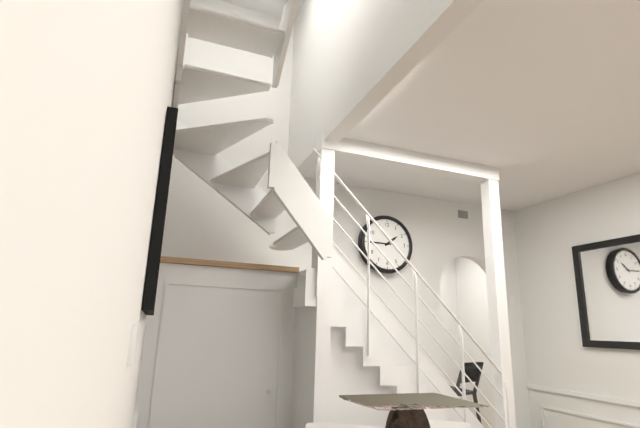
{"hour": 1, "minute": 45}
